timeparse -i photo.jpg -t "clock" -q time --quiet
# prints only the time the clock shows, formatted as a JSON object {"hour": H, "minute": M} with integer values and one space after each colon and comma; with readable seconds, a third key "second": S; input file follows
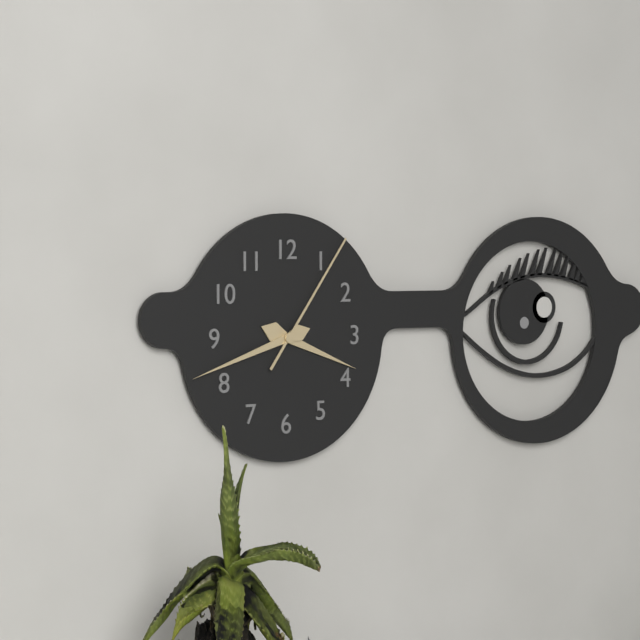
{"hour": 3, "minute": 42, "second": 6}
